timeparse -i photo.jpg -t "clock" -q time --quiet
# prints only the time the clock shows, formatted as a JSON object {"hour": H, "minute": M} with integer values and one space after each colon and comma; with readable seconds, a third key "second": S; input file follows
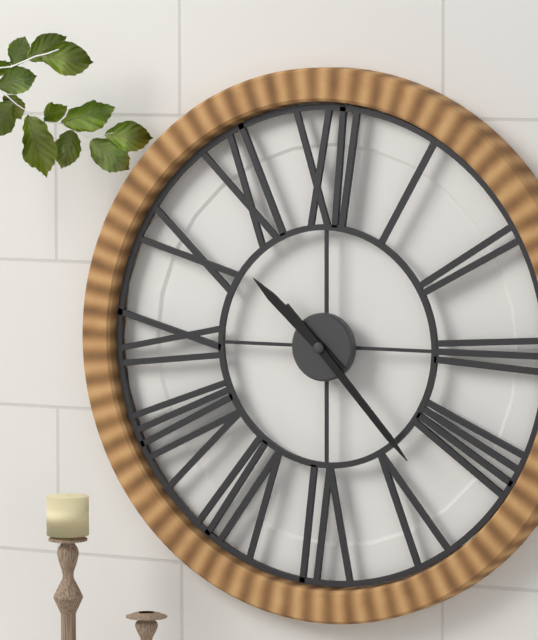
{"hour": 10, "minute": 23}
